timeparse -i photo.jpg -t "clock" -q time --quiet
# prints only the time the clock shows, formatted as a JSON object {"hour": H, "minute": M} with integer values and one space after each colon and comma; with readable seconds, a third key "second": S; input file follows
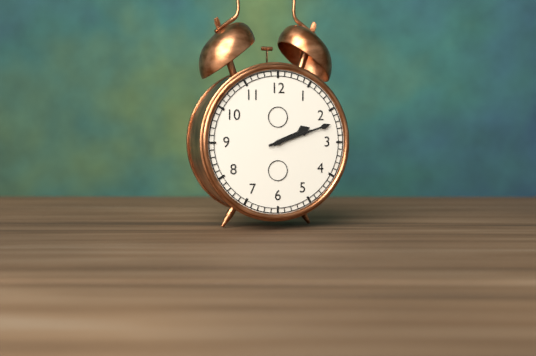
{"hour": 2, "minute": 12}
